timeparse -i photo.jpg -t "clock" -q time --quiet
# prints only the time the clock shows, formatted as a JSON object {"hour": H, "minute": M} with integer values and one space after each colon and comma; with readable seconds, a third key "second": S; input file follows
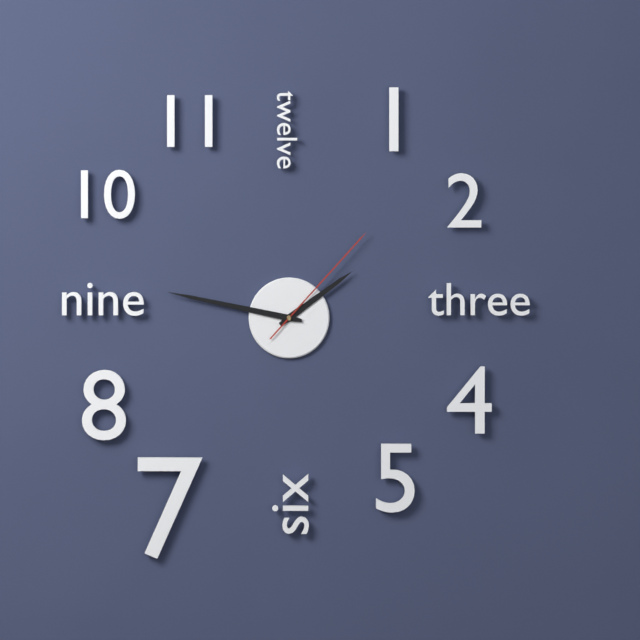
{"hour": 1, "minute": 47, "second": 7}
